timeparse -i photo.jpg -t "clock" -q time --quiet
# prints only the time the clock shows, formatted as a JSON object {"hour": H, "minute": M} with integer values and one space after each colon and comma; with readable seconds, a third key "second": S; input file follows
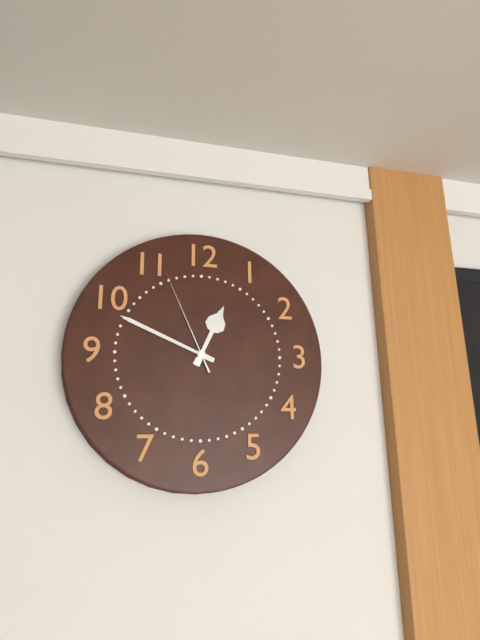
{"hour": 12, "minute": 49, "second": 56}
